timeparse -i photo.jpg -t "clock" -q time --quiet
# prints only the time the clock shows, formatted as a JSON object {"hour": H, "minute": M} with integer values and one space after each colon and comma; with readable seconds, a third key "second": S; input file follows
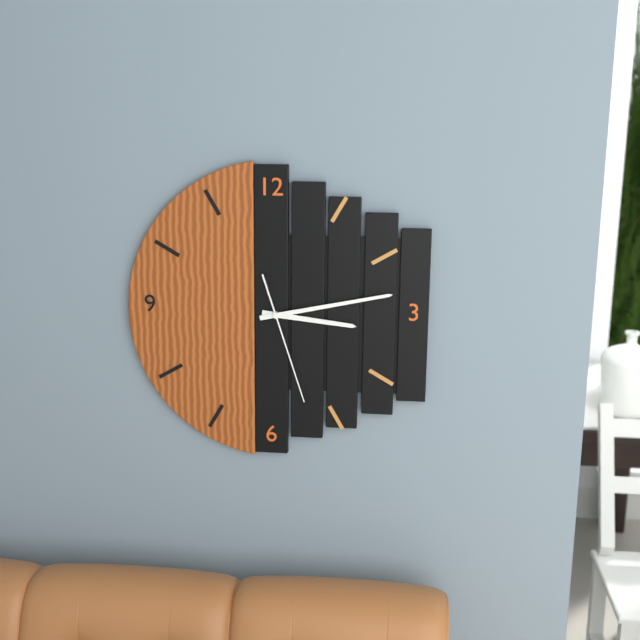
{"hour": 3, "minute": 13, "second": 27}
